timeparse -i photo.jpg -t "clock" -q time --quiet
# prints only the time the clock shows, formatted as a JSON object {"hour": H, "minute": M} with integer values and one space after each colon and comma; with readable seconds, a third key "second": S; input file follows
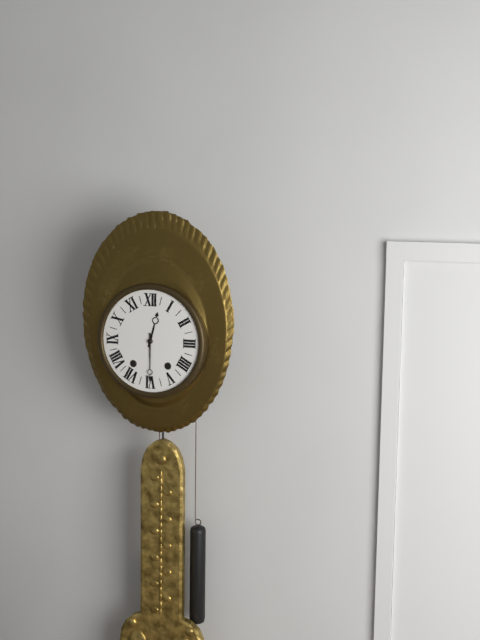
{"hour": 12, "minute": 30}
